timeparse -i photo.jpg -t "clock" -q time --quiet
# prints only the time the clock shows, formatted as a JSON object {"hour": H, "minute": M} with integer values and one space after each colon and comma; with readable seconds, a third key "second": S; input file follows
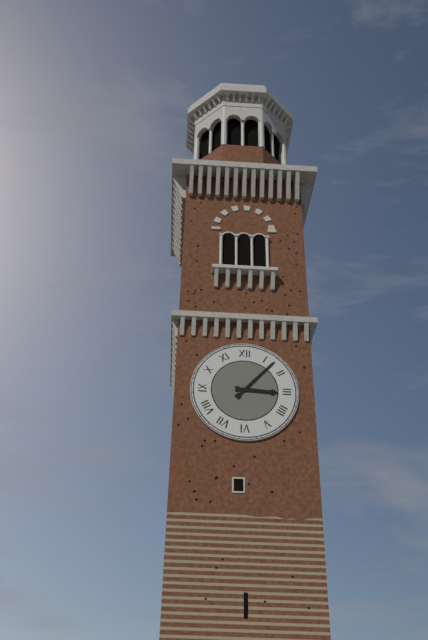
{"hour": 3, "minute": 7}
